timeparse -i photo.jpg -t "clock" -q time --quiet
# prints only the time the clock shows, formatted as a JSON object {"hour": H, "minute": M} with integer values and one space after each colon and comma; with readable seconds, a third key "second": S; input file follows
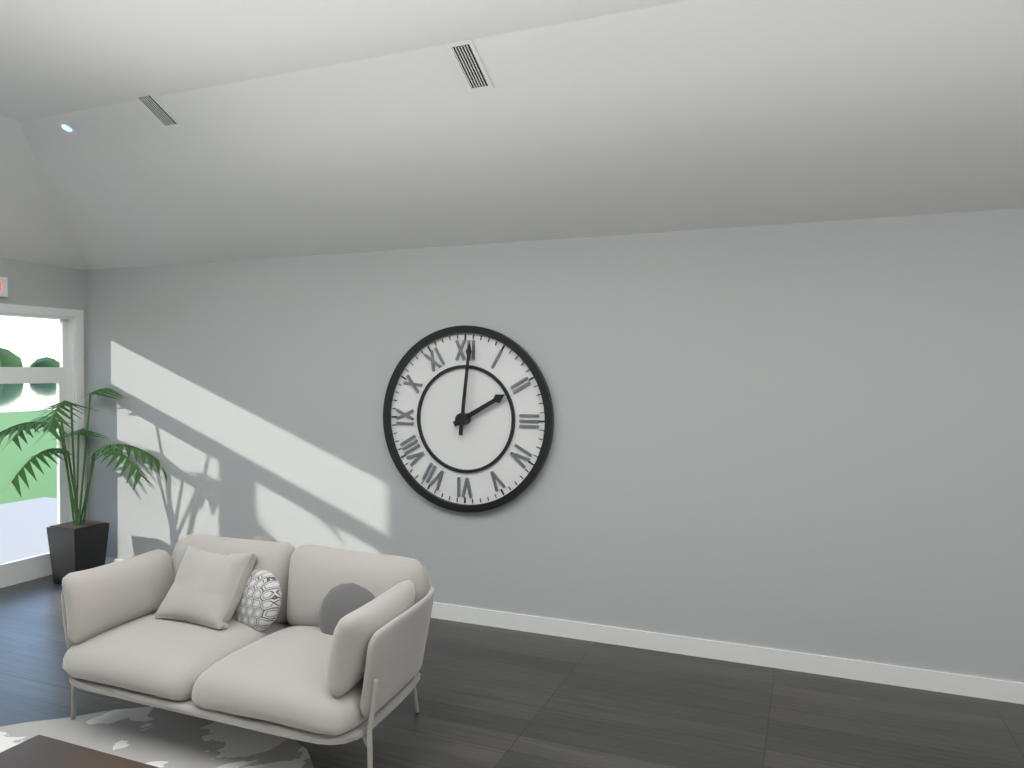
{"hour": 2, "minute": 1}
